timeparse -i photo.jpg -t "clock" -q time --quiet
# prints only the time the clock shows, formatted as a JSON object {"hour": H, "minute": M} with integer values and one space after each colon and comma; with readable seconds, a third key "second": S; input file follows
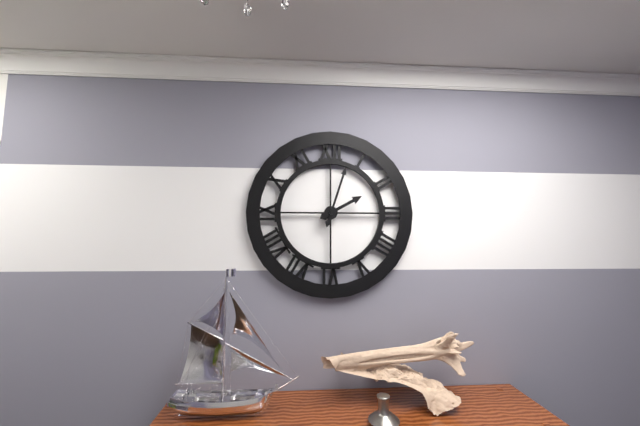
{"hour": 2, "minute": 3}
